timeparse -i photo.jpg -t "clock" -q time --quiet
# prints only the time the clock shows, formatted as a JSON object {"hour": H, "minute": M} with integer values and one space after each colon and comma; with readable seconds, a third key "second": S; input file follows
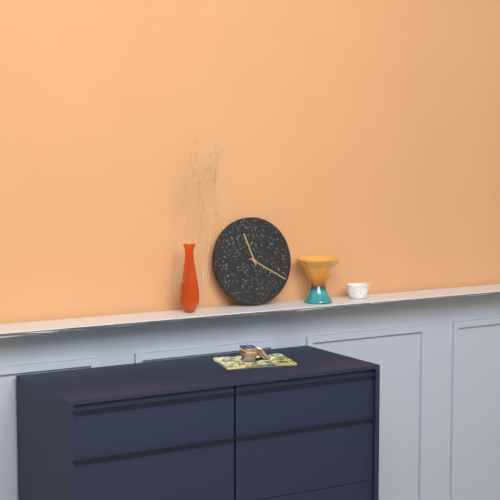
{"hour": 11, "minute": 20}
